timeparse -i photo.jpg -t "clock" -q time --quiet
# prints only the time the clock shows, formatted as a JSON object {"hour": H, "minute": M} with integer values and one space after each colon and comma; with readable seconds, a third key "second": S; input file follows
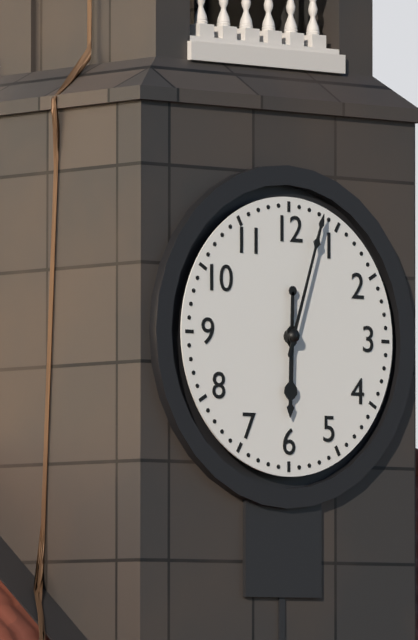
{"hour": 6, "minute": 3}
